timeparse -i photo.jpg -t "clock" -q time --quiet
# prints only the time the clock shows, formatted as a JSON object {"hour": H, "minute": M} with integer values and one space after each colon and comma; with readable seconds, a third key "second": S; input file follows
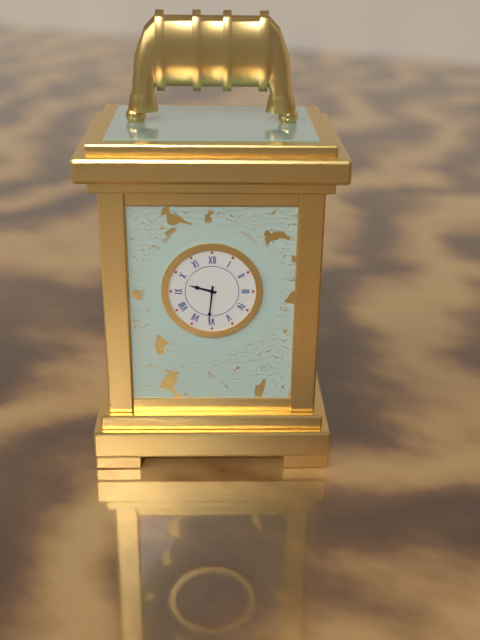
{"hour": 9, "minute": 31}
